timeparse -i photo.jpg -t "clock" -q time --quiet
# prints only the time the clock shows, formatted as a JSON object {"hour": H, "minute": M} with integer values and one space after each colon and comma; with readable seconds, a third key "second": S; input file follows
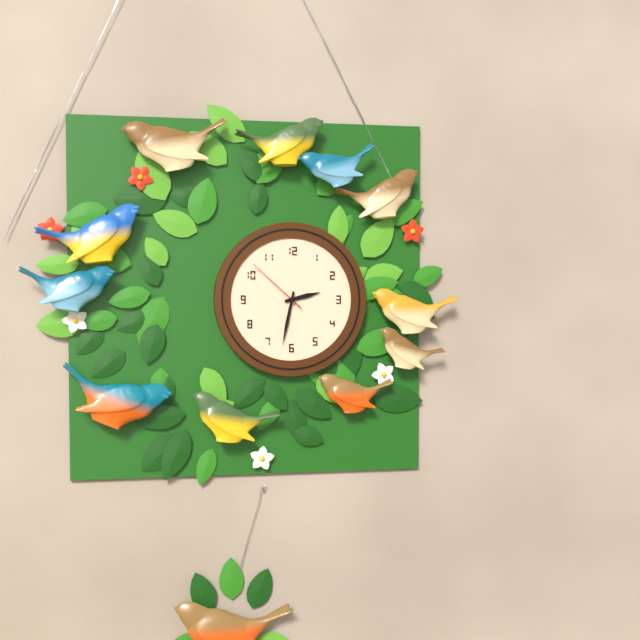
{"hour": 2, "minute": 32, "second": 52}
